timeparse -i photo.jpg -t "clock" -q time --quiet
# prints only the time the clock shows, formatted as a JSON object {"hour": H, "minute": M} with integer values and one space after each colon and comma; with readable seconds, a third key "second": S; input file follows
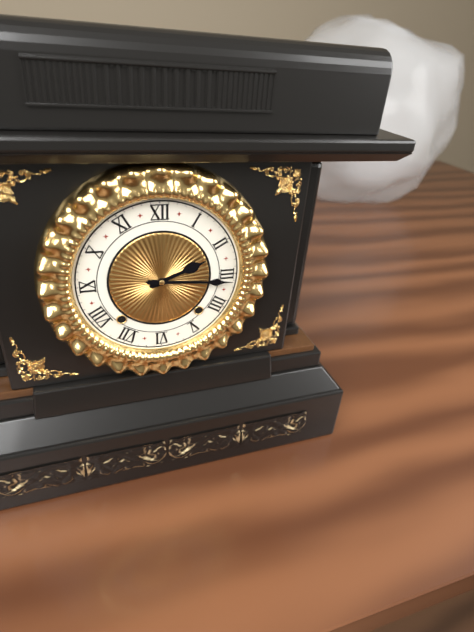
{"hour": 2, "minute": 16}
